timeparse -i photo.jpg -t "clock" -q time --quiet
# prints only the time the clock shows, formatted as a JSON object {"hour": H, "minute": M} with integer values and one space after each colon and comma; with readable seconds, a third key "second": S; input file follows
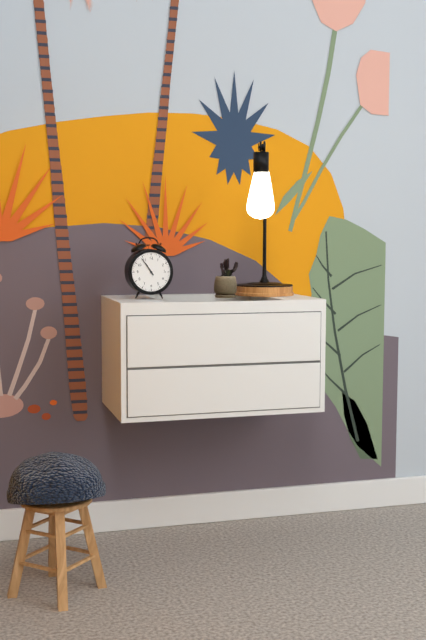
{"hour": 10, "minute": 54}
